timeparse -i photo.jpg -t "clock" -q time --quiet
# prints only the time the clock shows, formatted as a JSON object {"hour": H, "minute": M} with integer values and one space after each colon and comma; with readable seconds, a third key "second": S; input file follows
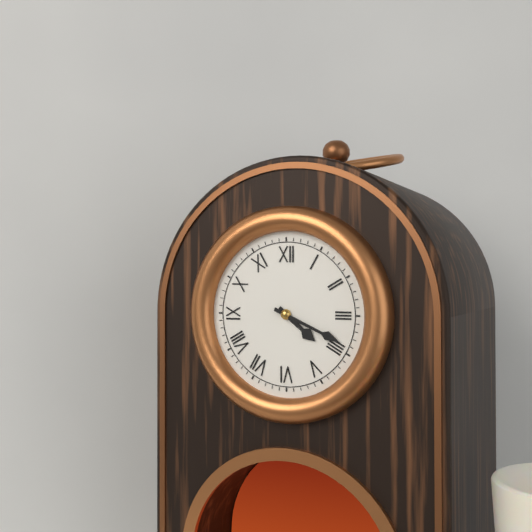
{"hour": 4, "minute": 19}
